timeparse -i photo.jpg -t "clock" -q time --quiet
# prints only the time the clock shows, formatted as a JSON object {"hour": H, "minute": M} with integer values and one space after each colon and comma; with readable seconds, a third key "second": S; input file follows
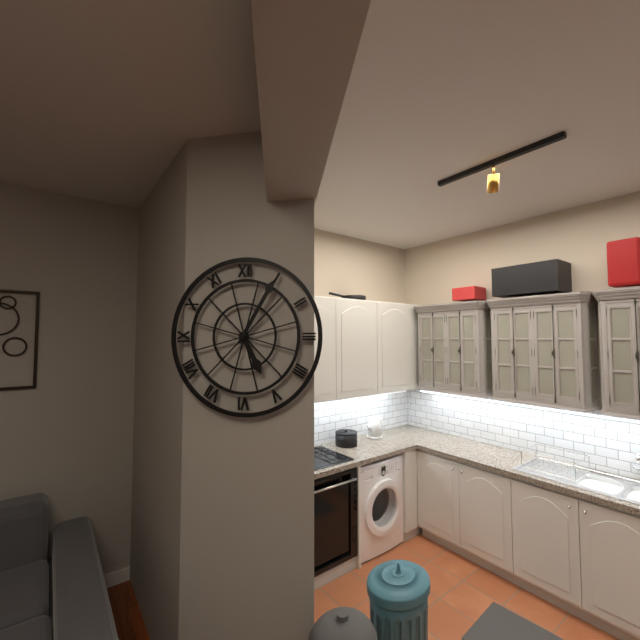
{"hour": 5, "minute": 5}
